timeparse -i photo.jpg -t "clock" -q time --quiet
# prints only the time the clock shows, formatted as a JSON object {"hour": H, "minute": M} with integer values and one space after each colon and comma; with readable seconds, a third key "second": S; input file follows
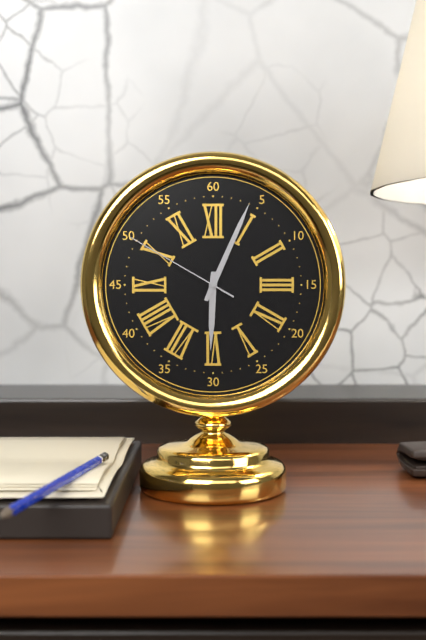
{"hour": 6, "minute": 4, "second": 50}
